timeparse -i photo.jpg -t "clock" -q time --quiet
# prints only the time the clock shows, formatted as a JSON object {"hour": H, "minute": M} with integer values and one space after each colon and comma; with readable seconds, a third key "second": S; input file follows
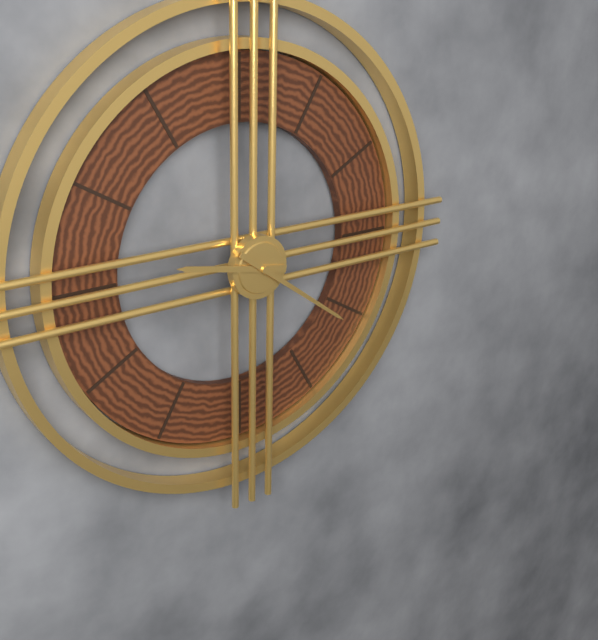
{"hour": 9, "minute": 21}
